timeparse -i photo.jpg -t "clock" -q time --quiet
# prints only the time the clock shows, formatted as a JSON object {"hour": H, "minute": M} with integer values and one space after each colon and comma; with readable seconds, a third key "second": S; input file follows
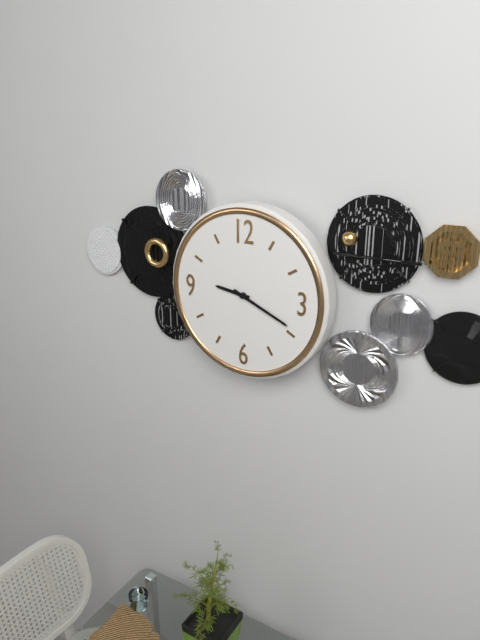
{"hour": 9, "minute": 19}
